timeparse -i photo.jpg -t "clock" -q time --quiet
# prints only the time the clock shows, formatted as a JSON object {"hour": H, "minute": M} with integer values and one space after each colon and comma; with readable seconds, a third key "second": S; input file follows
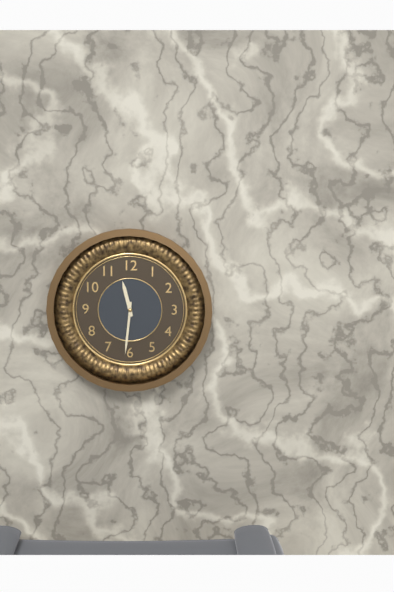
{"hour": 11, "minute": 31}
